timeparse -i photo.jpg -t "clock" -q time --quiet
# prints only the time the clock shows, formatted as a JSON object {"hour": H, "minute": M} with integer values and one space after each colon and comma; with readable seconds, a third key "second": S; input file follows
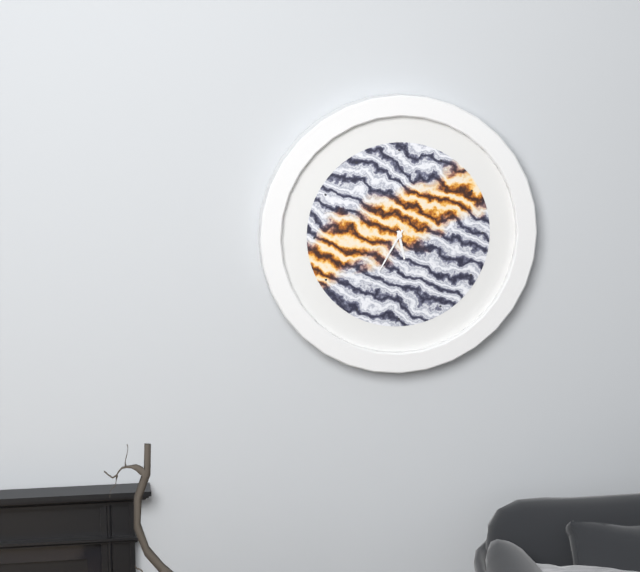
{"hour": 5, "minute": 35}
